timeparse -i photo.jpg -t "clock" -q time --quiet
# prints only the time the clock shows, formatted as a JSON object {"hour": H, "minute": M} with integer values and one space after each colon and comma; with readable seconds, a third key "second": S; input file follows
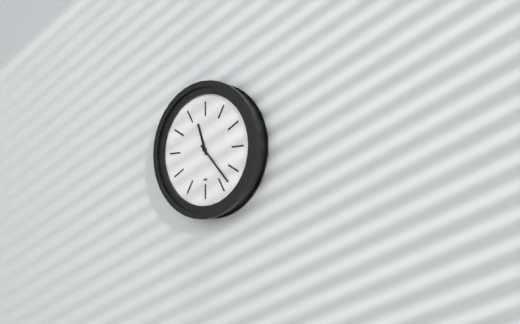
{"hour": 11, "minute": 23}
